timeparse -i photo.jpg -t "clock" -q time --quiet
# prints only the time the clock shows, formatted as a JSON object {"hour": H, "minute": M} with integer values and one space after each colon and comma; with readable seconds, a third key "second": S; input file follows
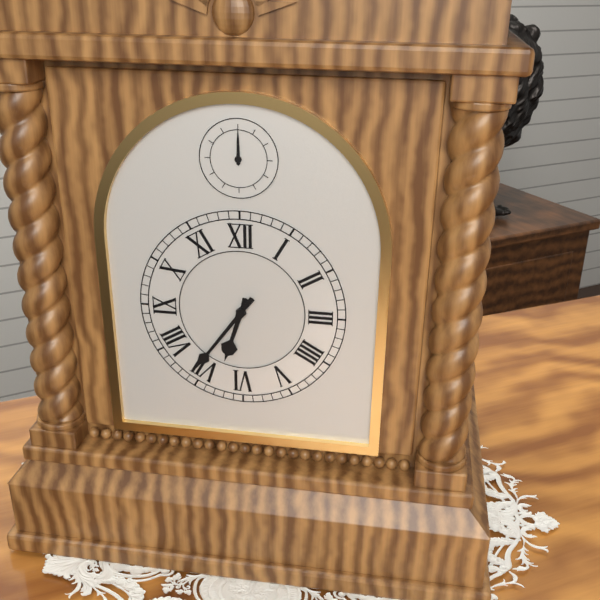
{"hour": 6, "minute": 36}
